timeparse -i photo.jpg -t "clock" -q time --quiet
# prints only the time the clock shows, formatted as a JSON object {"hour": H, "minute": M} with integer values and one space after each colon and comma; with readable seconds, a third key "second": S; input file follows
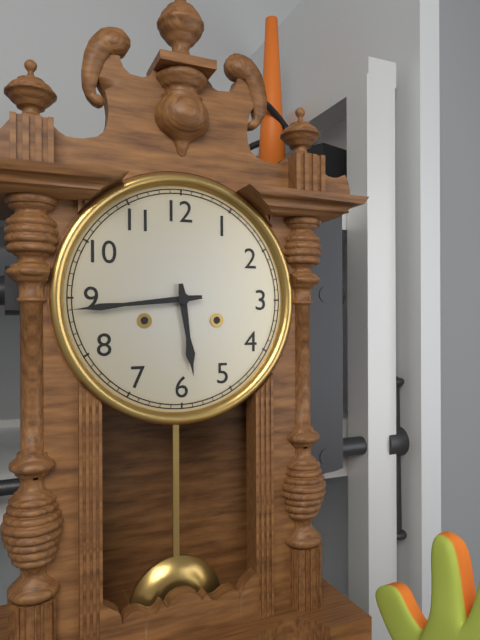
{"hour": 5, "minute": 44}
